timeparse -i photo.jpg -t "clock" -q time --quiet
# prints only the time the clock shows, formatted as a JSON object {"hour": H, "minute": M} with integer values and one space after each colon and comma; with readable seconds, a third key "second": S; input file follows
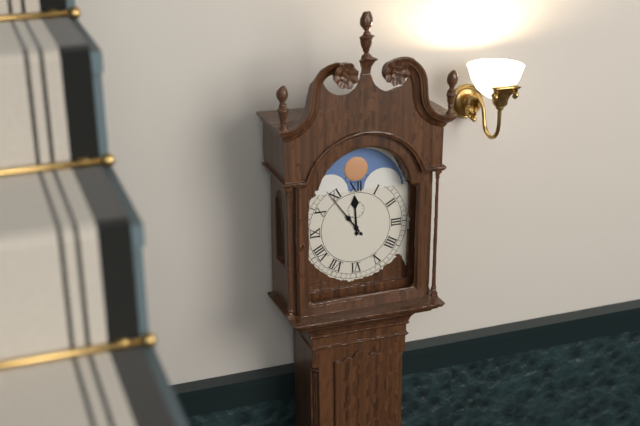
{"hour": 11, "minute": 54}
